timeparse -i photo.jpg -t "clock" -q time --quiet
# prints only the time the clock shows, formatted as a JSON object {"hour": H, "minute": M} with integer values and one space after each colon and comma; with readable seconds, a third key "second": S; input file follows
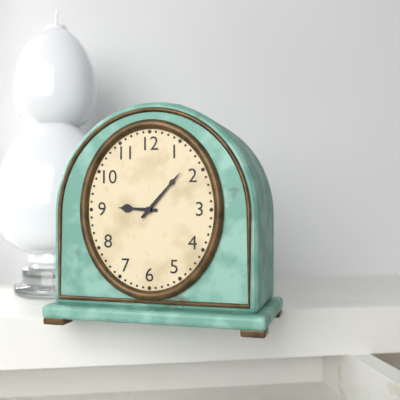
{"hour": 9, "minute": 7}
